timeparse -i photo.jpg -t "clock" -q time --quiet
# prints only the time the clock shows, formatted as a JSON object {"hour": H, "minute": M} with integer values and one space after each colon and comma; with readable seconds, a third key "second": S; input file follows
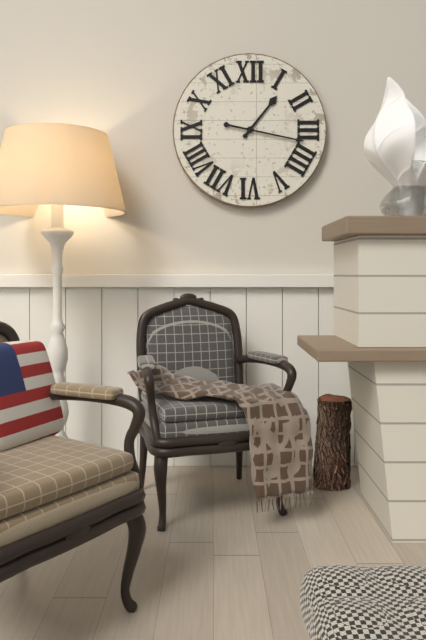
{"hour": 1, "minute": 17}
